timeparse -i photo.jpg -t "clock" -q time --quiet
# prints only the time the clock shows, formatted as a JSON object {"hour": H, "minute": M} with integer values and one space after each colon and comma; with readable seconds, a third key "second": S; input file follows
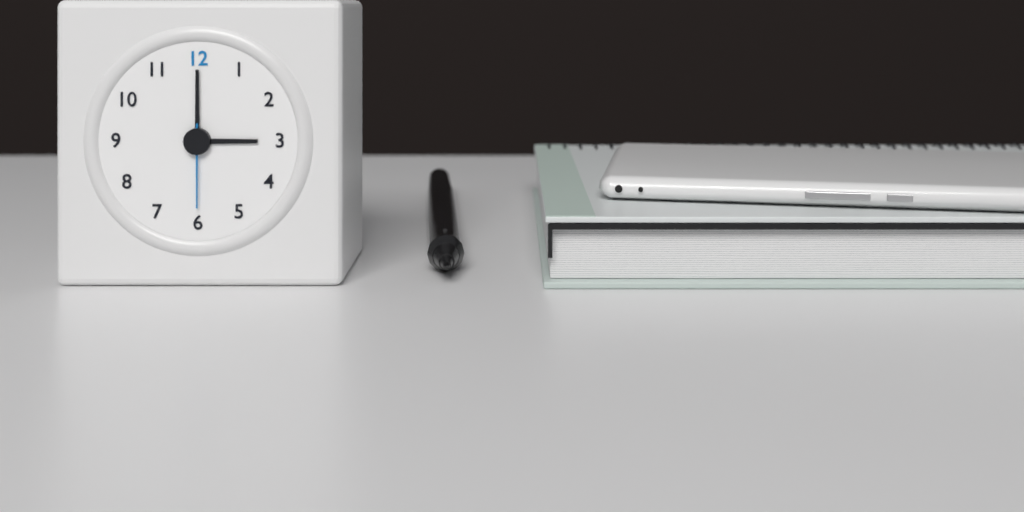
{"hour": 3, "minute": 0, "second": 30}
